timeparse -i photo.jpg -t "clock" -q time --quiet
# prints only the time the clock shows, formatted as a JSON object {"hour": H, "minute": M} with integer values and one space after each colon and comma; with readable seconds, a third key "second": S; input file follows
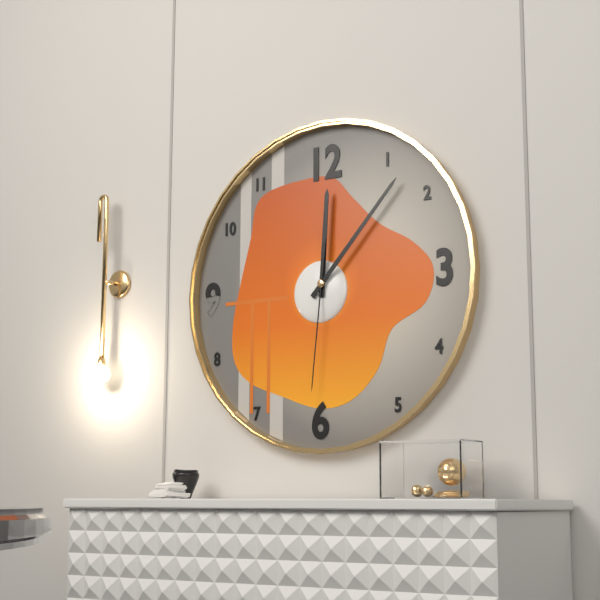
{"hour": 12, "minute": 7, "second": 31}
